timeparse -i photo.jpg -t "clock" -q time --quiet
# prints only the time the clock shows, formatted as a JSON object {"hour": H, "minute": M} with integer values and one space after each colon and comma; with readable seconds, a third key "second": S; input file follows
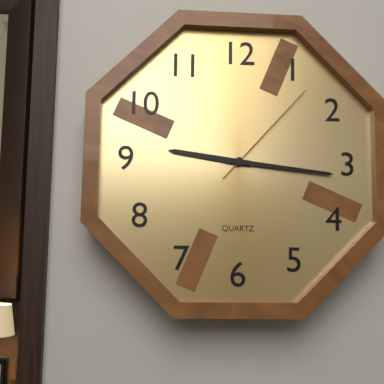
{"hour": 9, "minute": 16, "second": 7}
